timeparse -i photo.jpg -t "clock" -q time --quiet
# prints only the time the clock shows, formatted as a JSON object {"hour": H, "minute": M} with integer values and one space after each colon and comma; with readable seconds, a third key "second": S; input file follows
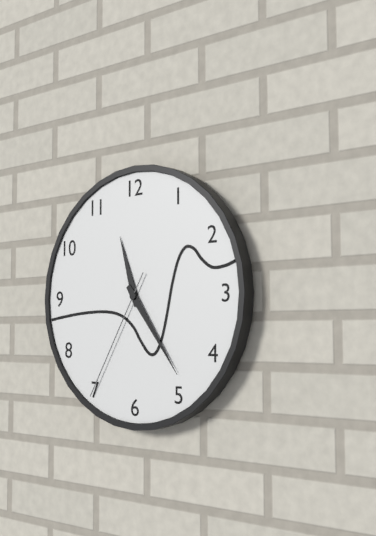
{"hour": 11, "minute": 24, "second": 35}
